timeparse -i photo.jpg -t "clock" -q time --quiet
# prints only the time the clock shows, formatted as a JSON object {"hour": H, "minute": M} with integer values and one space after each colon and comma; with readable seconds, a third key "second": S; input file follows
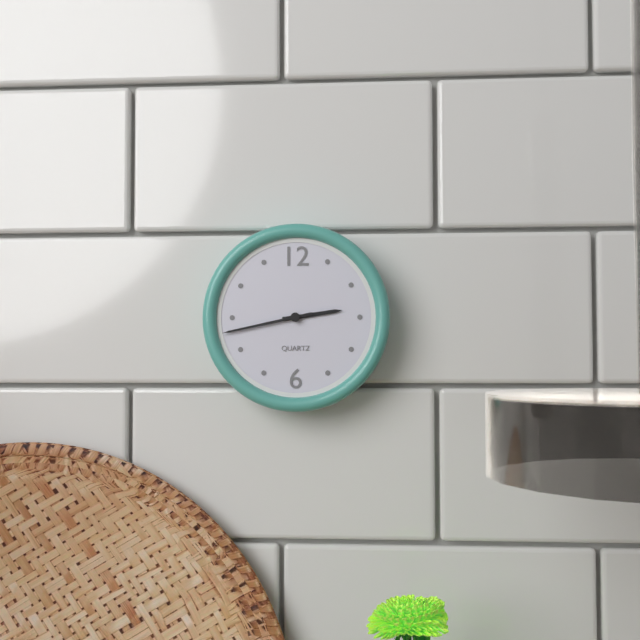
{"hour": 2, "minute": 43}
